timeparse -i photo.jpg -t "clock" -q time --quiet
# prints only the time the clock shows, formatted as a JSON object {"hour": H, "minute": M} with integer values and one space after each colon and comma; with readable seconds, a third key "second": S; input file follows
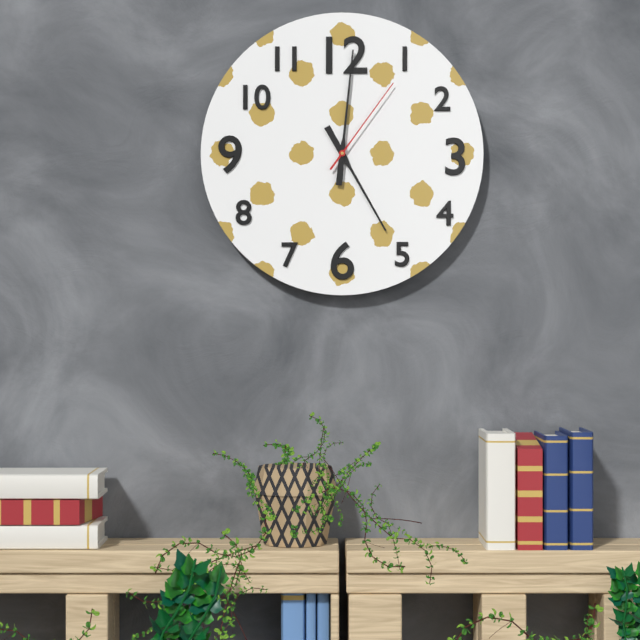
{"hour": 5, "minute": 1, "second": 6}
